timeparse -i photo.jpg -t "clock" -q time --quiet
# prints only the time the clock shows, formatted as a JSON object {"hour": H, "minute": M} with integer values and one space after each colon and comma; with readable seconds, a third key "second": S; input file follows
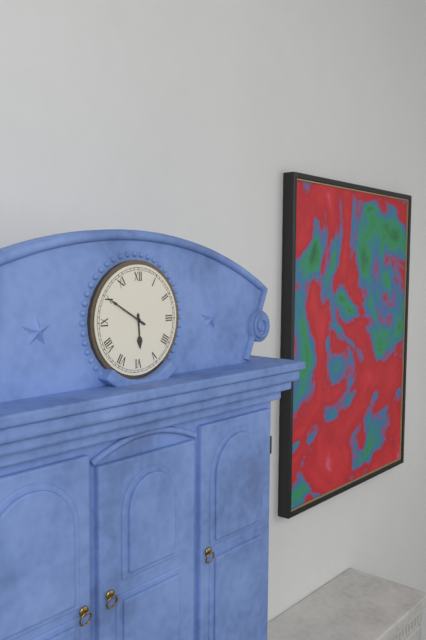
{"hour": 5, "minute": 50}
